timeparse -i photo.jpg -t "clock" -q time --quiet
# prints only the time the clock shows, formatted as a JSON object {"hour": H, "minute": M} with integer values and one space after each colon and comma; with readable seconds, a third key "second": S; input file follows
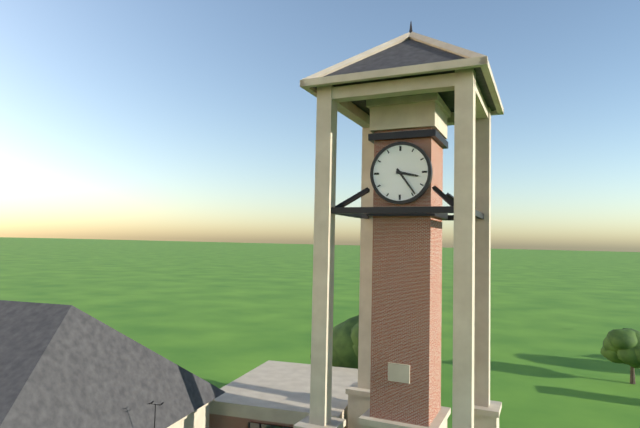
{"hour": 3, "minute": 24}
